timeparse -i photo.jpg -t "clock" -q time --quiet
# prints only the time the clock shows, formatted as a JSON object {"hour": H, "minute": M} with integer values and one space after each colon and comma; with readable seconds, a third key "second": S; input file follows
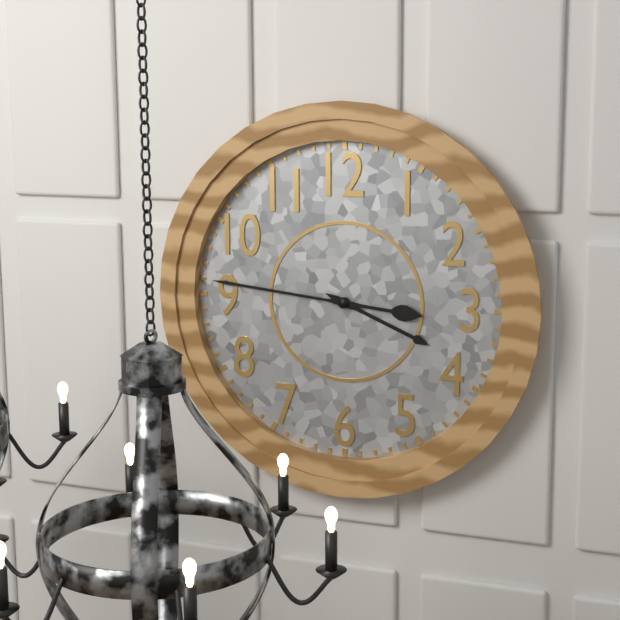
{"hour": 3, "minute": 46}
